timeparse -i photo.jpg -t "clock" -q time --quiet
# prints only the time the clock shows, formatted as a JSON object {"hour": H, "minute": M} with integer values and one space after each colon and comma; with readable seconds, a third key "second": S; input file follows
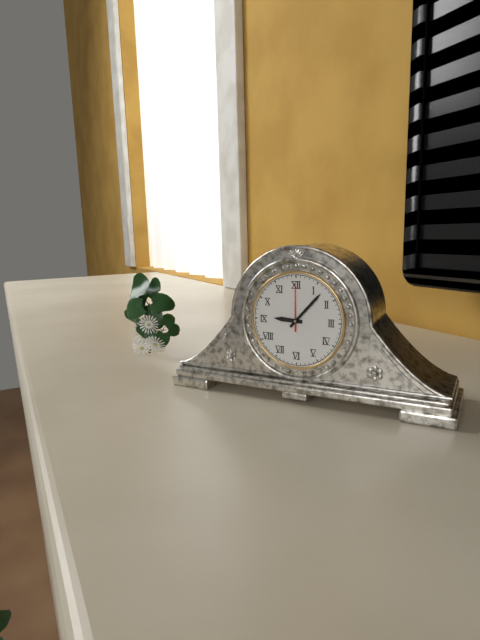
{"hour": 9, "minute": 7}
